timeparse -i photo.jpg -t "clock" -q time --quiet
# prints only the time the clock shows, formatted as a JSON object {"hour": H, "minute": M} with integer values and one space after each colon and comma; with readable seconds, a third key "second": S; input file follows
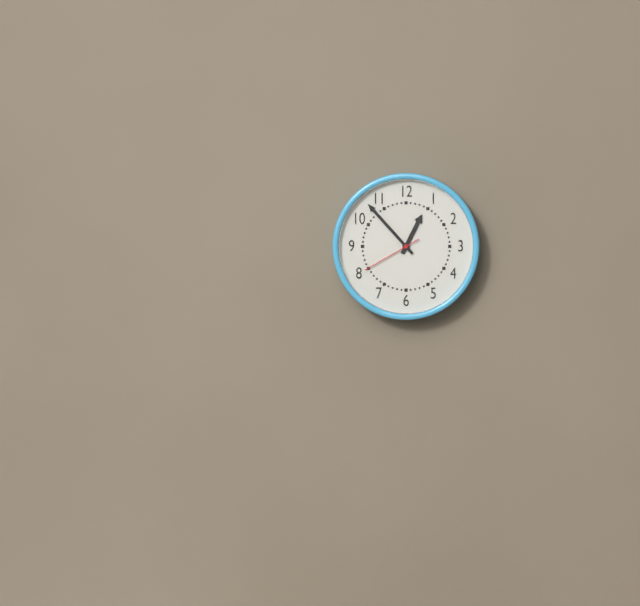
{"hour": 12, "minute": 53, "second": 40}
